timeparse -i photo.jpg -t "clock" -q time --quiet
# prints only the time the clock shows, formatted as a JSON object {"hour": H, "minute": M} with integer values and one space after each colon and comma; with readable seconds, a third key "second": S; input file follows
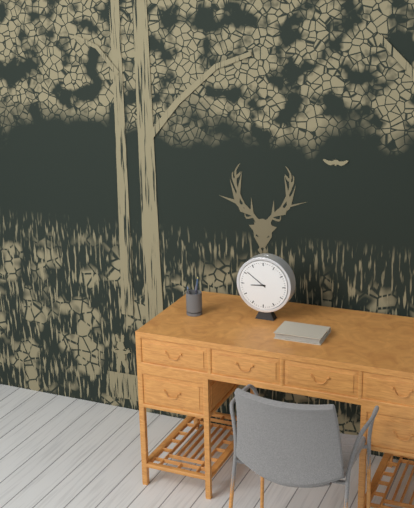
{"hour": 8, "minute": 51}
